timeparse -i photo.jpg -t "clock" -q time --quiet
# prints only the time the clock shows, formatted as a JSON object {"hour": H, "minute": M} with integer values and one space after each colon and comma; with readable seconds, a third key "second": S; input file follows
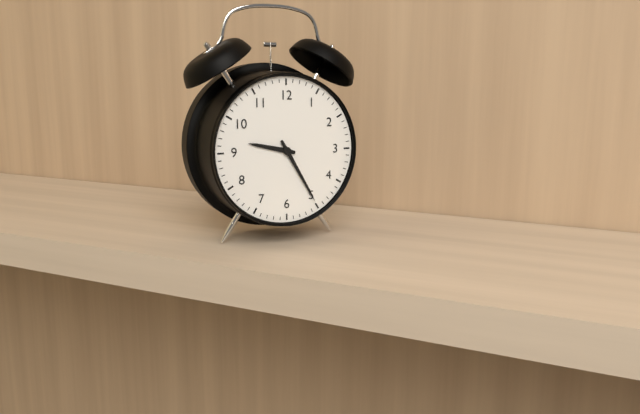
{"hour": 9, "minute": 25}
